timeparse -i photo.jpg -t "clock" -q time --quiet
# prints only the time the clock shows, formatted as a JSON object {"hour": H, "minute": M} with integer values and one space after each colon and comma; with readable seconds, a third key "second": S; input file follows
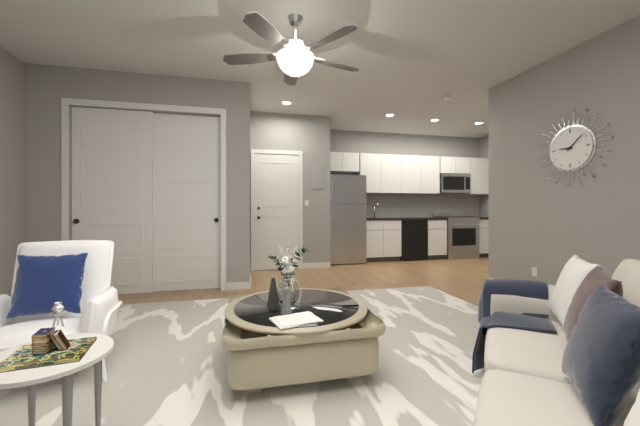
{"hour": 9, "minute": 8}
